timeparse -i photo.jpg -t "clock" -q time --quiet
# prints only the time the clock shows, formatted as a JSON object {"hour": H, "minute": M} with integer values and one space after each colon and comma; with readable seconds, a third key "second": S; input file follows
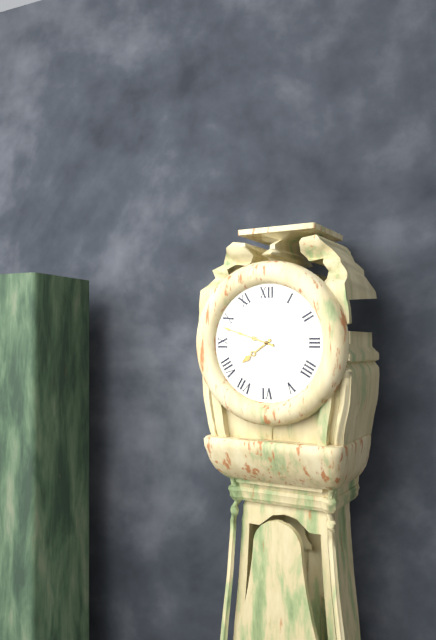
{"hour": 7, "minute": 48}
